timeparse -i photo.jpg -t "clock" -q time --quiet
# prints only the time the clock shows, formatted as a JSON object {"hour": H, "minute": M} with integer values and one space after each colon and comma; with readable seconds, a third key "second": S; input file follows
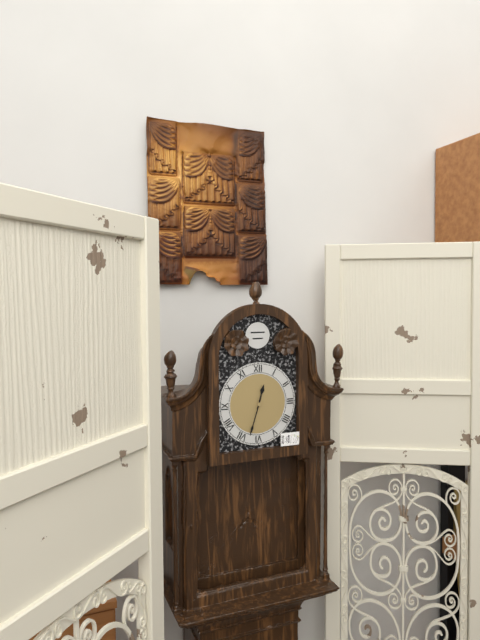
{"hour": 12, "minute": 33}
